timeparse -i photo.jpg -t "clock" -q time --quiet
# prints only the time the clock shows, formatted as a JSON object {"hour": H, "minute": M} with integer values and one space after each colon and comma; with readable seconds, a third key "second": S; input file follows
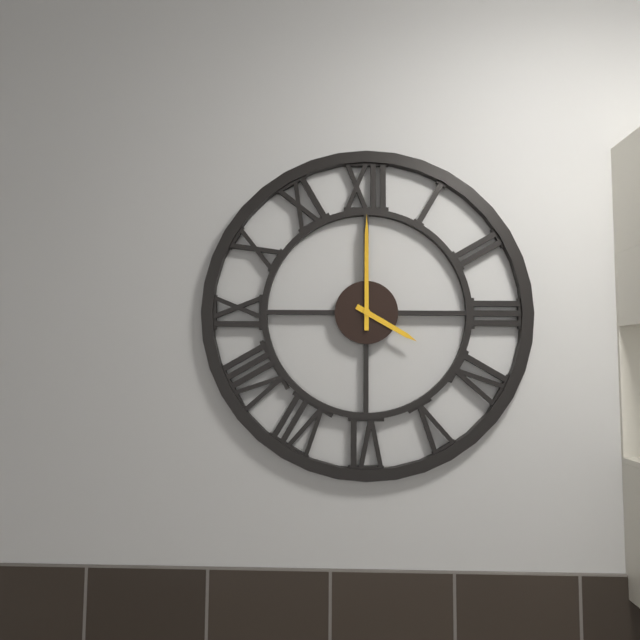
{"hour": 4, "minute": 0}
